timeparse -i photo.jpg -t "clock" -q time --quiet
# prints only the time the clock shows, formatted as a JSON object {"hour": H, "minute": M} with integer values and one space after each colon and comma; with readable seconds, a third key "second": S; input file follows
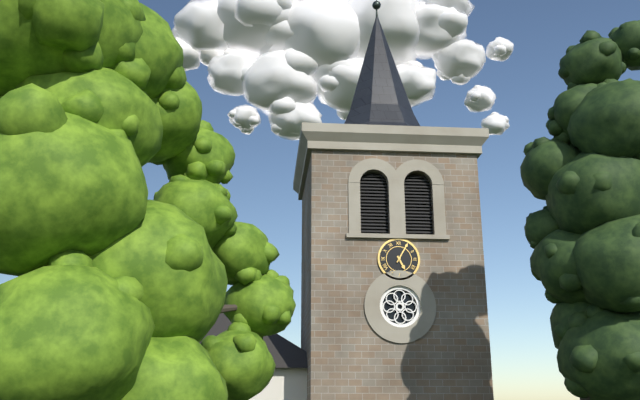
{"hour": 5, "minute": 5}
